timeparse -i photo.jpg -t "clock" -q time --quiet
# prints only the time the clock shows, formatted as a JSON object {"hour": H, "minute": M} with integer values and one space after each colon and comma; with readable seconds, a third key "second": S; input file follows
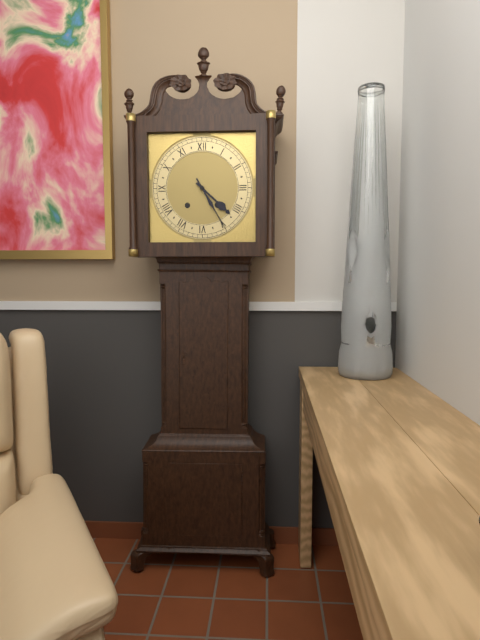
{"hour": 4, "minute": 25}
